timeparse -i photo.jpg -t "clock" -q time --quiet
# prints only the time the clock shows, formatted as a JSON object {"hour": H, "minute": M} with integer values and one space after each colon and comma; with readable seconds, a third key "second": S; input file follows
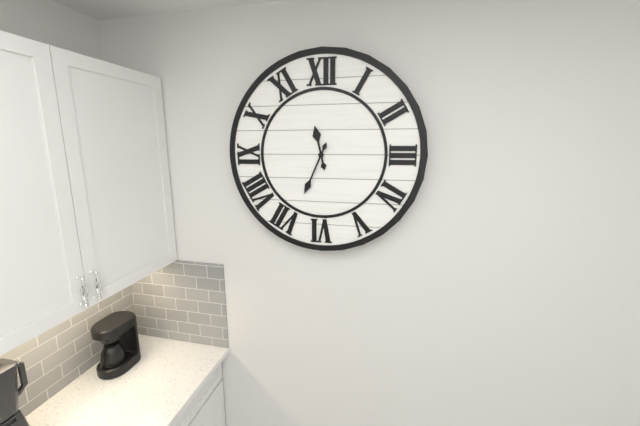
{"hour": 11, "minute": 34}
